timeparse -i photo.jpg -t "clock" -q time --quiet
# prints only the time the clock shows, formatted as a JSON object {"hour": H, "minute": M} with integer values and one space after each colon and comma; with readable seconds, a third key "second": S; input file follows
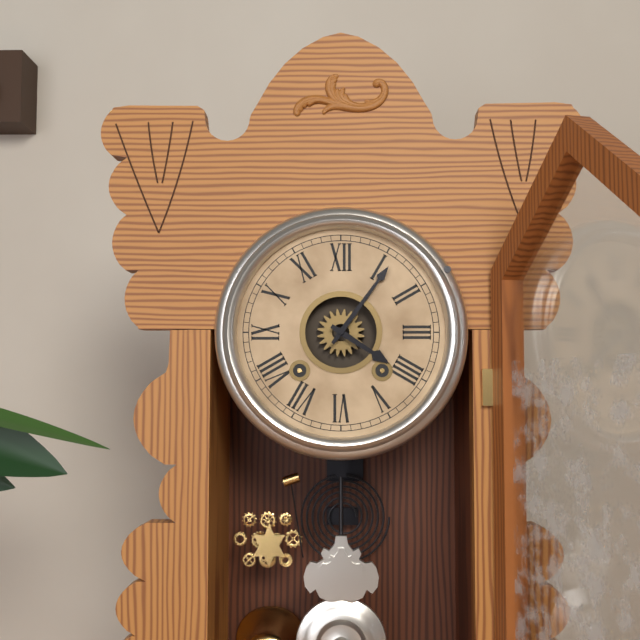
{"hour": 4, "minute": 6}
